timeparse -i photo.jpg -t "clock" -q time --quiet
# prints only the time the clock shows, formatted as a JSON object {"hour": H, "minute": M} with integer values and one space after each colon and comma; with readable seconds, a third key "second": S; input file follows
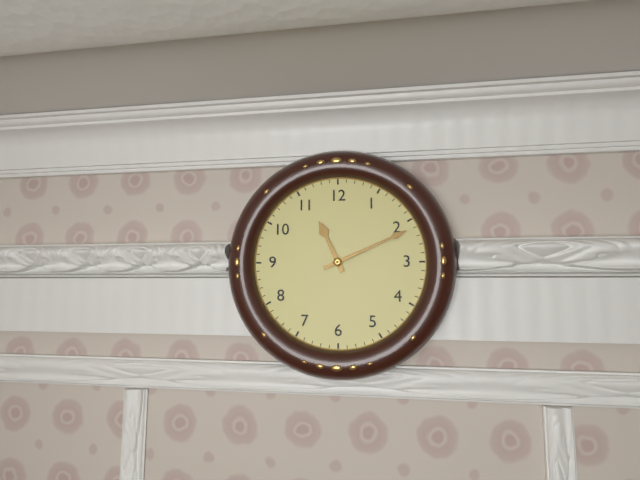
{"hour": 11, "minute": 11}
